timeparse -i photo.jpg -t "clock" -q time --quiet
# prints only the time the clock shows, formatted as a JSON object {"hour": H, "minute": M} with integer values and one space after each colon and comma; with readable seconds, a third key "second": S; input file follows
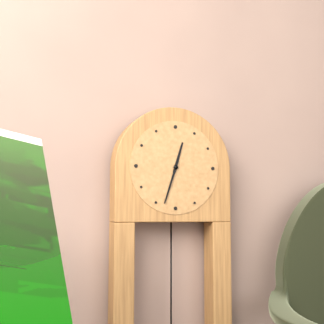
{"hour": 12, "minute": 33}
